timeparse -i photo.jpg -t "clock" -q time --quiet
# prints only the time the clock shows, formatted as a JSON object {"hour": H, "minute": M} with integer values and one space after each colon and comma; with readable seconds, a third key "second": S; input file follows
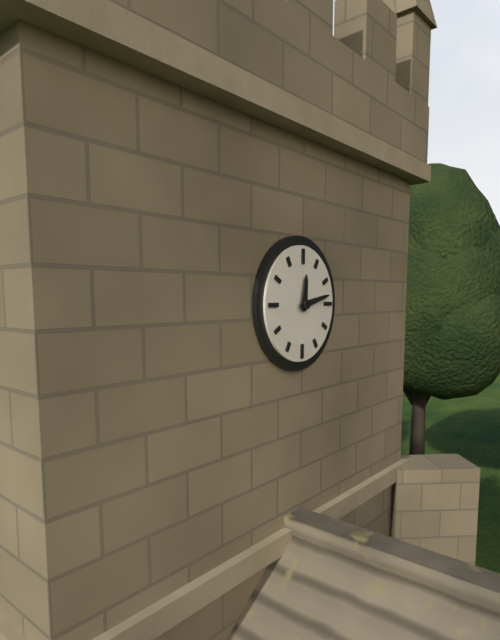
{"hour": 12, "minute": 13}
